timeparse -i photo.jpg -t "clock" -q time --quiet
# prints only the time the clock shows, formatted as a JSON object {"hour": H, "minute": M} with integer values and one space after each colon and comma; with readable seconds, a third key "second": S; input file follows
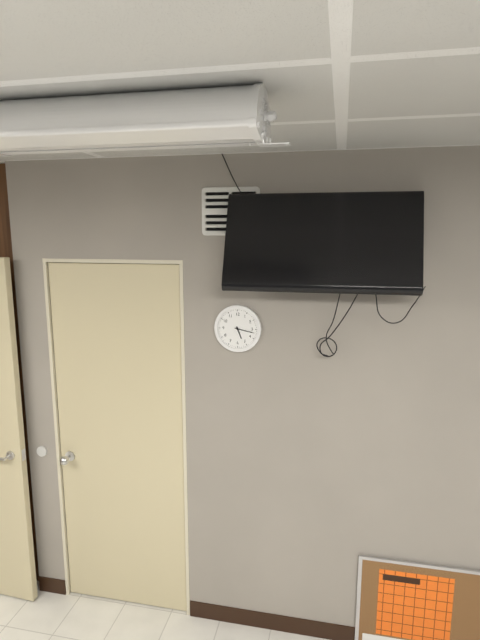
{"hour": 5, "minute": 17}
